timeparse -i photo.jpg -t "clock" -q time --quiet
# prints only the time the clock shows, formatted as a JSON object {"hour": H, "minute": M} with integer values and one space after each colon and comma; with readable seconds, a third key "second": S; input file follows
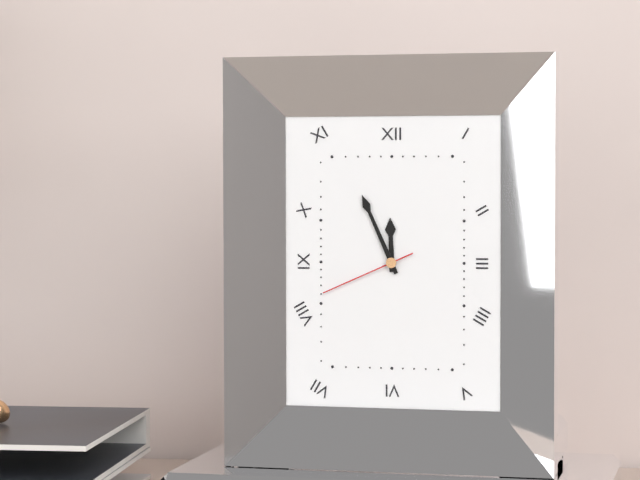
{"hour": 11, "minute": 56, "second": 41}
